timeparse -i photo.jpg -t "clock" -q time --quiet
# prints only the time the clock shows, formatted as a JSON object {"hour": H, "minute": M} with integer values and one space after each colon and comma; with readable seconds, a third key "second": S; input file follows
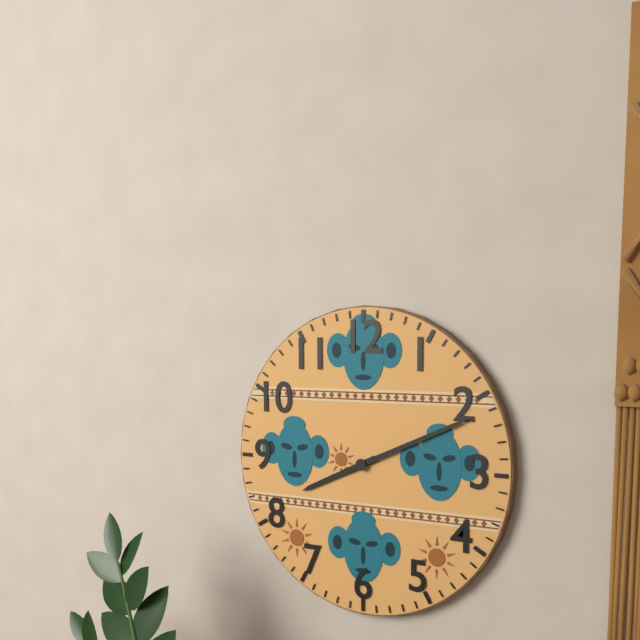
{"hour": 8, "minute": 11}
